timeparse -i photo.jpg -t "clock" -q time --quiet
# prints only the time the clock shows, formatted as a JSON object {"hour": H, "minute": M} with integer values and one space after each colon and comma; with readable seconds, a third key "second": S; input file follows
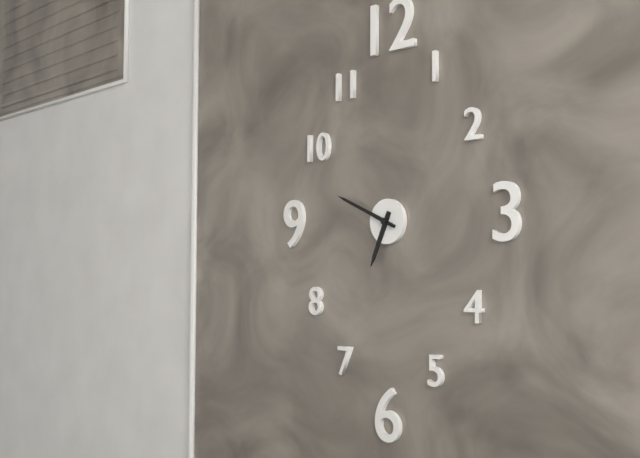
{"hour": 6, "minute": 49}
